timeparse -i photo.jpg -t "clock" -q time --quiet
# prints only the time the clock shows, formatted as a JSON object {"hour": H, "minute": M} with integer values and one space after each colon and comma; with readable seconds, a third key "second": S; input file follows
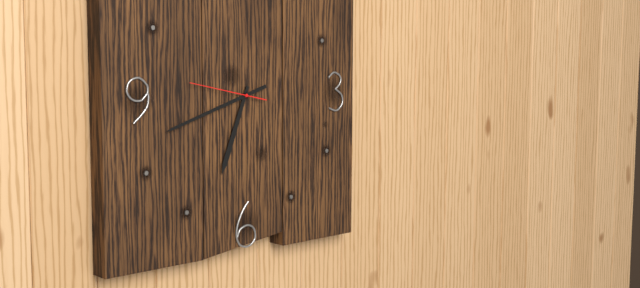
{"hour": 6, "minute": 42, "second": 47}
